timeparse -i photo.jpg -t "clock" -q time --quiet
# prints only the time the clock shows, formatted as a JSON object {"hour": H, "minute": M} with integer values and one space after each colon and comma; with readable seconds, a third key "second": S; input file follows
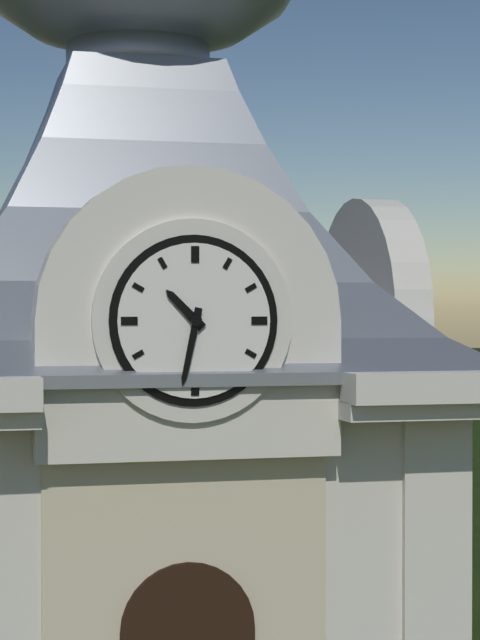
{"hour": 10, "minute": 32}
